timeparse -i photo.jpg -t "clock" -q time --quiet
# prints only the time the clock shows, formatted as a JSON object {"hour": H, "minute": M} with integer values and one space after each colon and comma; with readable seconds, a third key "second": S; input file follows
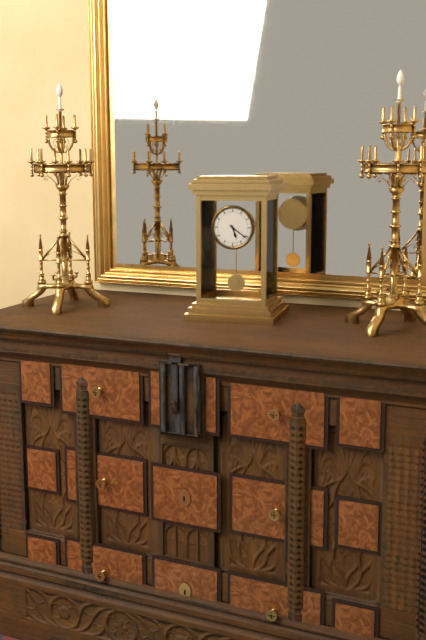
{"hour": 5, "minute": 21}
